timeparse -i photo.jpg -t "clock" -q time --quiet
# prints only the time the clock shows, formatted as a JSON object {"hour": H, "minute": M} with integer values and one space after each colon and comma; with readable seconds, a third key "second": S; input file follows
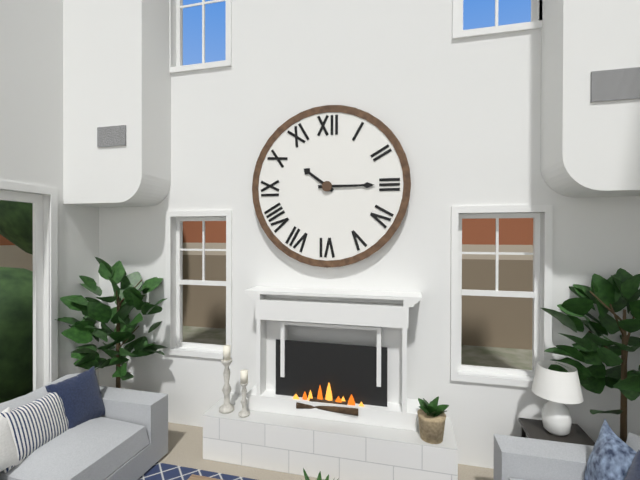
{"hour": 10, "minute": 15}
